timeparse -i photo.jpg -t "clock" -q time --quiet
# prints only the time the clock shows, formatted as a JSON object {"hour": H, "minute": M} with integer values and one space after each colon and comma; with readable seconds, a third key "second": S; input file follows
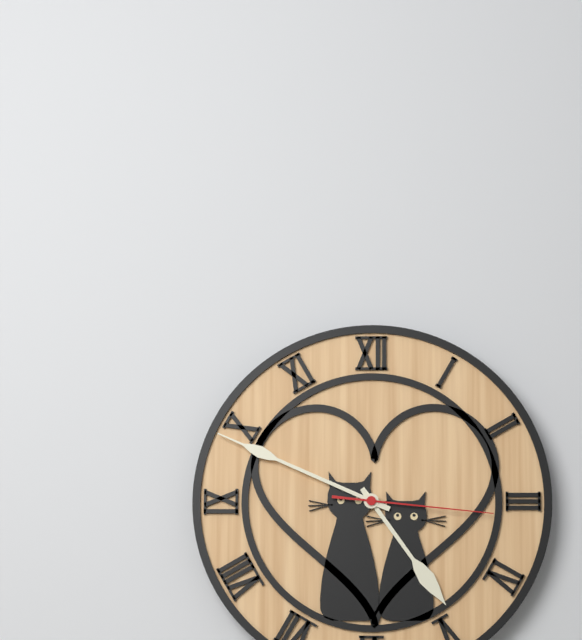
{"hour": 4, "minute": 49, "second": 16}
